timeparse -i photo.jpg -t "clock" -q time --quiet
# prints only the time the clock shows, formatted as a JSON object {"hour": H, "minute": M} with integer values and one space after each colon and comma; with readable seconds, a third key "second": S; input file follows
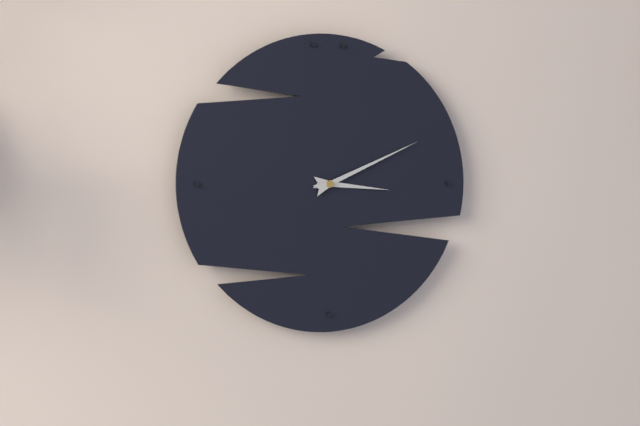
{"hour": 3, "minute": 11}
